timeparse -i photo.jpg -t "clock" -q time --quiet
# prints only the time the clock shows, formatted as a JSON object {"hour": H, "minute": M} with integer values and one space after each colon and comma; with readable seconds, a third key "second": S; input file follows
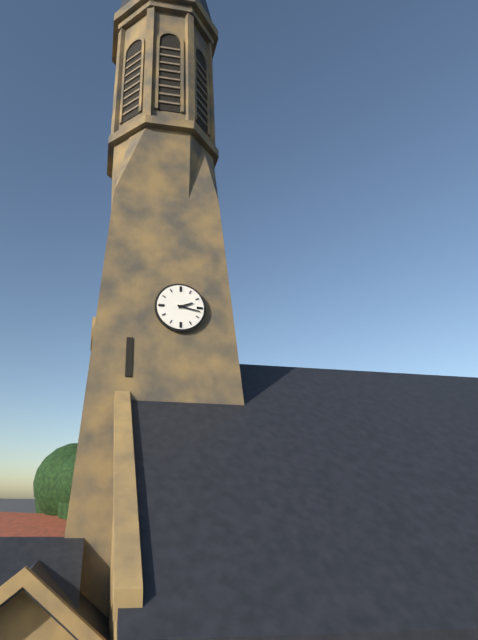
{"hour": 2, "minute": 17}
